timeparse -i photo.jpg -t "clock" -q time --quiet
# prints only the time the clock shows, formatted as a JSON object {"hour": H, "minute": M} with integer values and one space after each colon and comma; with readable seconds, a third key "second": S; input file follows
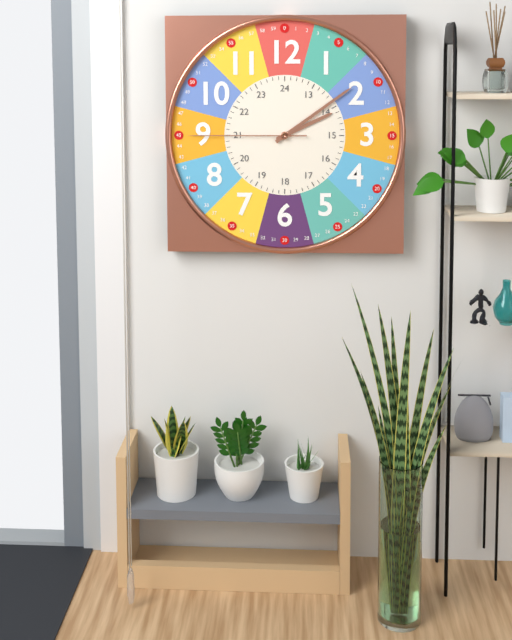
{"hour": 2, "minute": 9, "second": 45}
